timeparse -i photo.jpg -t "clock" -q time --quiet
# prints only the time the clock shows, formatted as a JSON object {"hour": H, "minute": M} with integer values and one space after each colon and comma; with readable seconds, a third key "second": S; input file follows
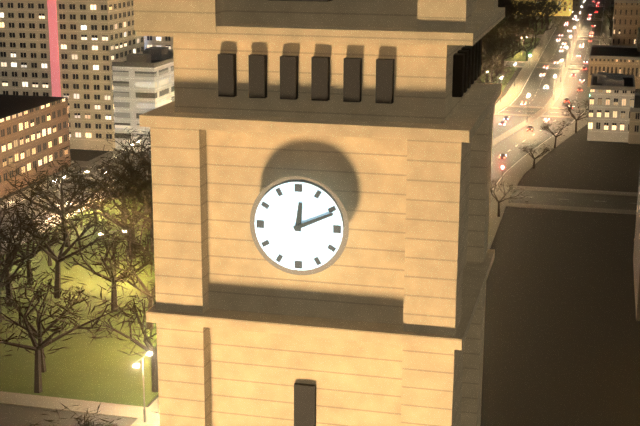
{"hour": 12, "minute": 11}
